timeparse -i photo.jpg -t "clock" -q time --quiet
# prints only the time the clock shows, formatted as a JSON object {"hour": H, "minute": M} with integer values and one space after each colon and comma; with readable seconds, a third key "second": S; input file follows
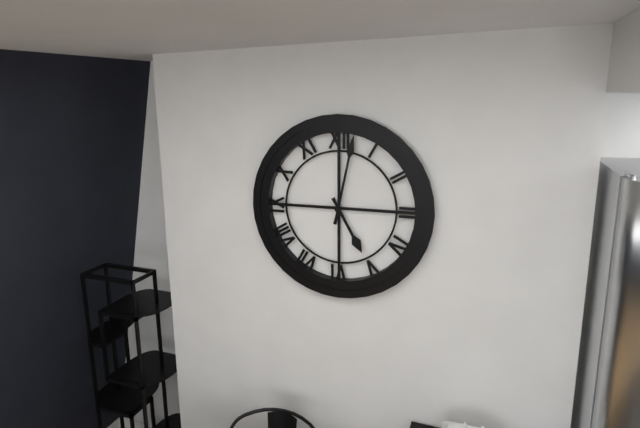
{"hour": 5, "minute": 2}
